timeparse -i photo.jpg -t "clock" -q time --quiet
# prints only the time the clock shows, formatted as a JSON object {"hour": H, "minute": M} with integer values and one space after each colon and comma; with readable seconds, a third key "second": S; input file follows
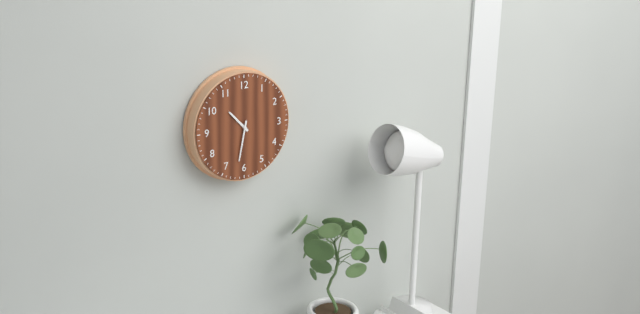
{"hour": 10, "minute": 32}
